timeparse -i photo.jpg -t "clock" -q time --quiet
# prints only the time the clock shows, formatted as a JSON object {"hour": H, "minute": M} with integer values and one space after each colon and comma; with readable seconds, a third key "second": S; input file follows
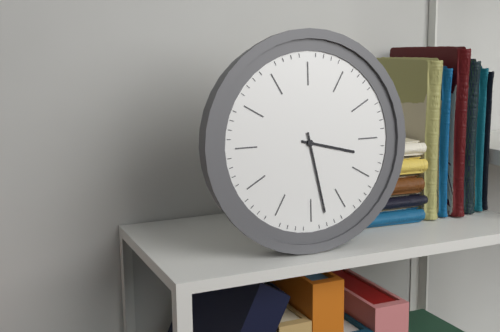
{"hour": 3, "minute": 28}
